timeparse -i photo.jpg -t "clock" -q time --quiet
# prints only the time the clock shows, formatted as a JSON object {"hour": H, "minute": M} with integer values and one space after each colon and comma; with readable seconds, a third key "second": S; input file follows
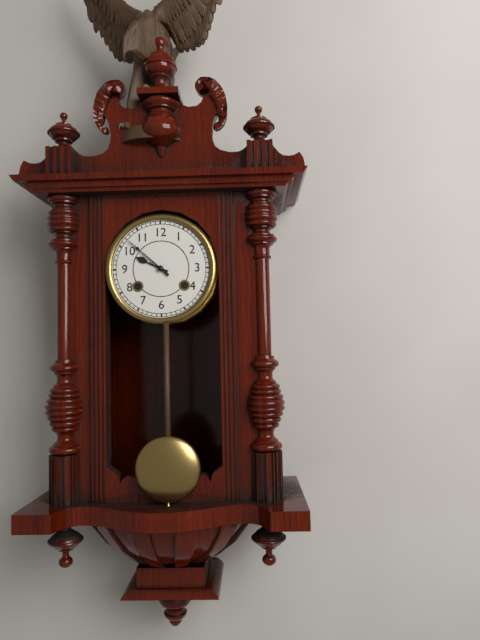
{"hour": 9, "minute": 52}
